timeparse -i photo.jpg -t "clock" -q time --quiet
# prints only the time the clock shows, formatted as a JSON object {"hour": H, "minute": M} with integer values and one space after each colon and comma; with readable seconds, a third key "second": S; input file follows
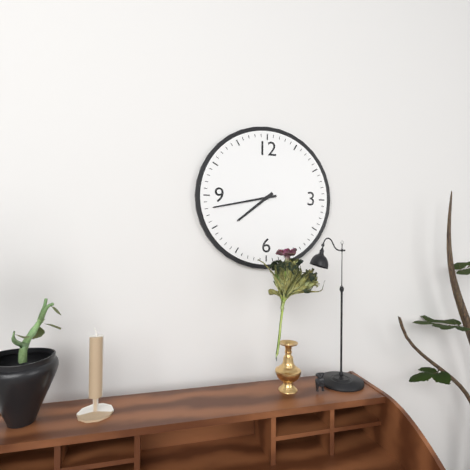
{"hour": 7, "minute": 43}
